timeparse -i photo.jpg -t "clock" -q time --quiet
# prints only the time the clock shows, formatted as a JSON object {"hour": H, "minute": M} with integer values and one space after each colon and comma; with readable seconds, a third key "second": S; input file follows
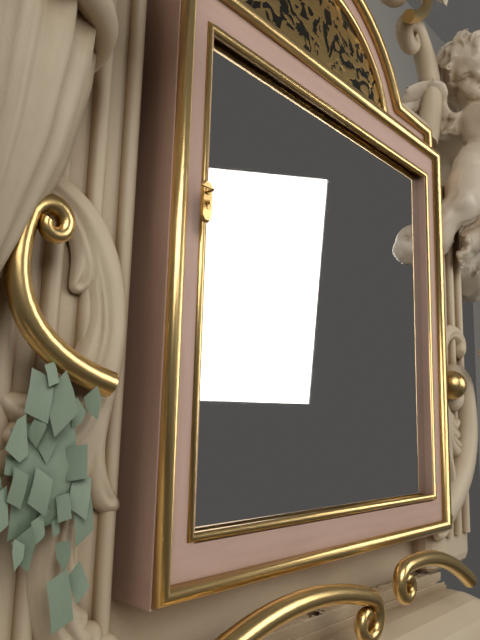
{"hour": 3, "minute": 58}
